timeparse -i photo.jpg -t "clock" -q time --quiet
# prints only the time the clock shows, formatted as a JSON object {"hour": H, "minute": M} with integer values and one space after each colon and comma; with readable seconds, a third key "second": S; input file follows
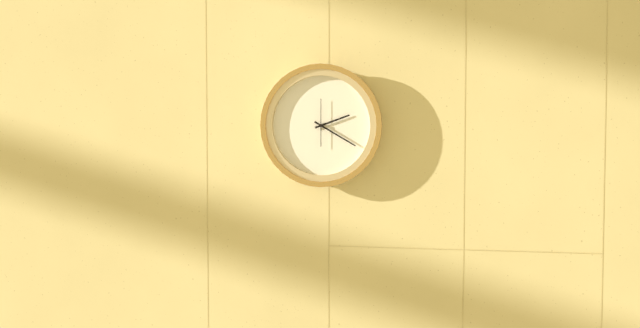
{"hour": 2, "minute": 20}
